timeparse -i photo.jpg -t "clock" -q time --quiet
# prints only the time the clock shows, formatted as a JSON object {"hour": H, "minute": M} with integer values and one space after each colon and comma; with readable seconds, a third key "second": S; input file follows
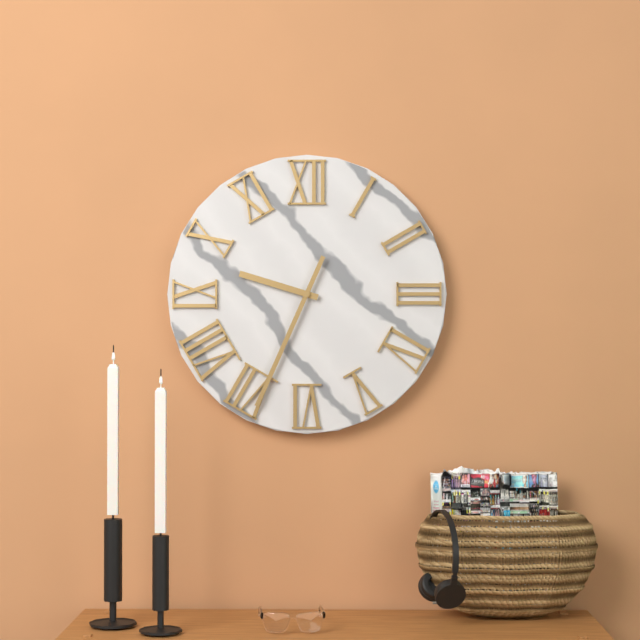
{"hour": 9, "minute": 34}
